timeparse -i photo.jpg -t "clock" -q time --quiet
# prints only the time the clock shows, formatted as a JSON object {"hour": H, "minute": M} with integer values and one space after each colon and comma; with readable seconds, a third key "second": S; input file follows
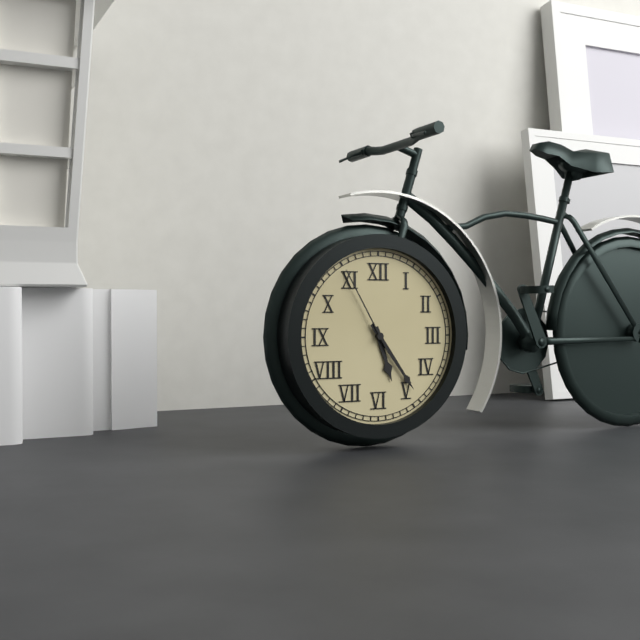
{"hour": 5, "minute": 24, "second": 55}
